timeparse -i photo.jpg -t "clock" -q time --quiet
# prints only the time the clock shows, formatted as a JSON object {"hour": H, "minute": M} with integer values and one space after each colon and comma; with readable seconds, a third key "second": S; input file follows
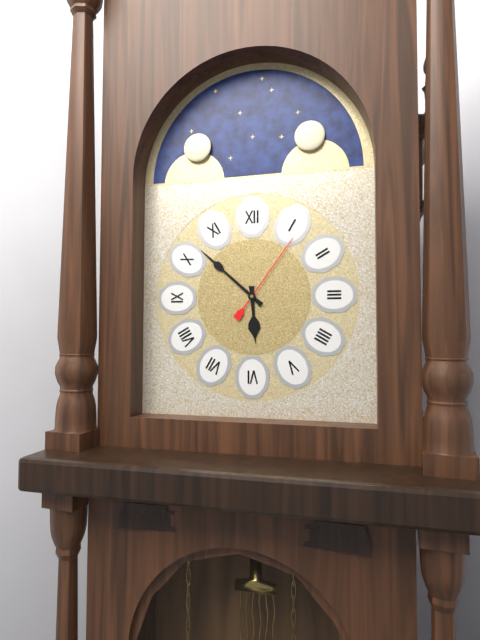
{"hour": 5, "minute": 52, "second": 6}
